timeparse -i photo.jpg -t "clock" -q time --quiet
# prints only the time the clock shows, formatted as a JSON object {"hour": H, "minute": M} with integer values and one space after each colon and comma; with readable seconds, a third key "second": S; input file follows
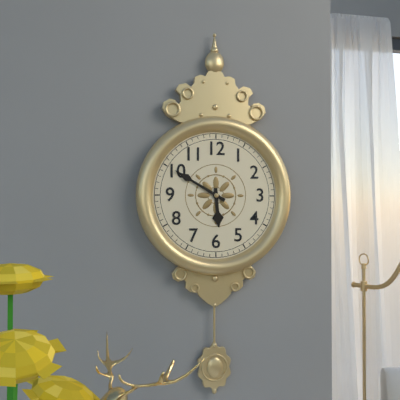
{"hour": 5, "minute": 50}
